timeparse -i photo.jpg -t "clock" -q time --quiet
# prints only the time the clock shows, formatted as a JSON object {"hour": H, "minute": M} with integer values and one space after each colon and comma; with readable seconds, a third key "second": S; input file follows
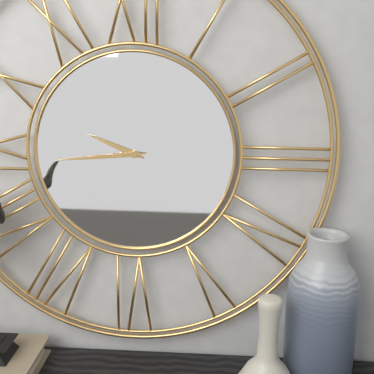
{"hour": 9, "minute": 44}
